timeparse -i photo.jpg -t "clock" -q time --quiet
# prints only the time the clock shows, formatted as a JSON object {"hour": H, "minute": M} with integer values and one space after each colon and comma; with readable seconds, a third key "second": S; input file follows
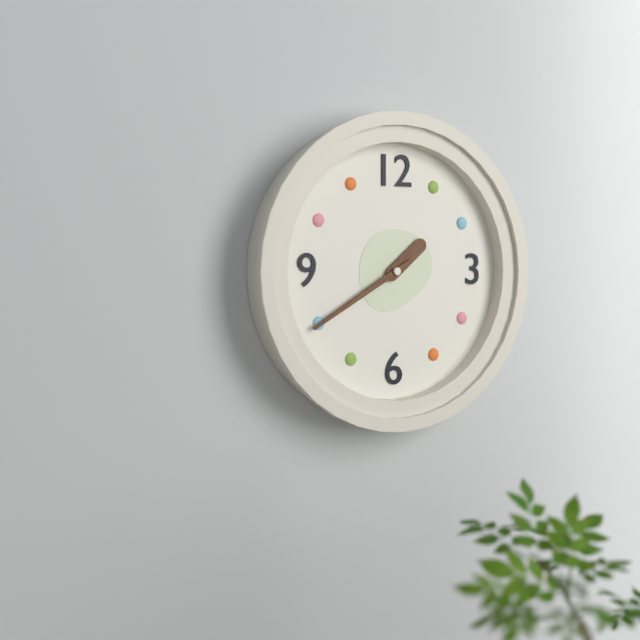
{"hour": 1, "minute": 40}
